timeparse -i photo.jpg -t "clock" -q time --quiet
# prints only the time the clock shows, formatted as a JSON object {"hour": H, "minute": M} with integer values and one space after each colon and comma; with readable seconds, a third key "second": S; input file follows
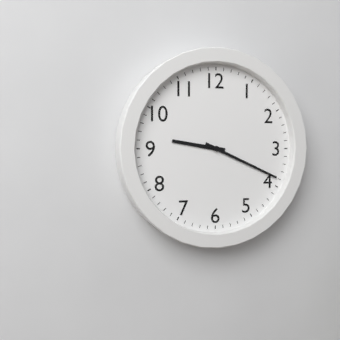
{"hour": 9, "minute": 19}
